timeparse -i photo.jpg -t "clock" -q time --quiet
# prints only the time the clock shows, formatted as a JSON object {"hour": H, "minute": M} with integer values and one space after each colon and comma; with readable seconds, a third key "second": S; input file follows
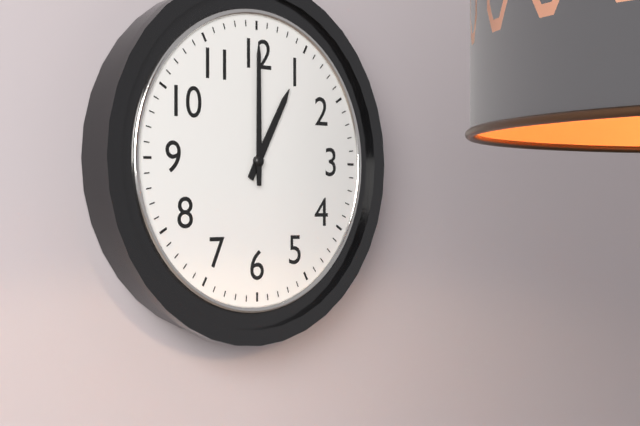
{"hour": 1, "minute": 0}
